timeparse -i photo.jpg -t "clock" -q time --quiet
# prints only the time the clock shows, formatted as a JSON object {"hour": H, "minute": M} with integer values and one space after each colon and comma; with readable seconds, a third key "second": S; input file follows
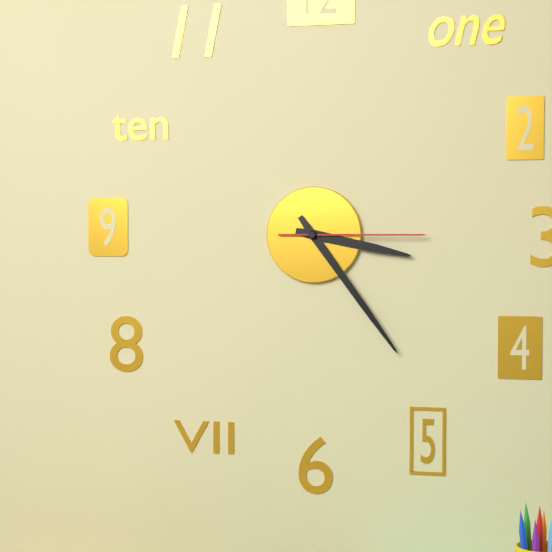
{"hour": 3, "minute": 24, "second": 15}
